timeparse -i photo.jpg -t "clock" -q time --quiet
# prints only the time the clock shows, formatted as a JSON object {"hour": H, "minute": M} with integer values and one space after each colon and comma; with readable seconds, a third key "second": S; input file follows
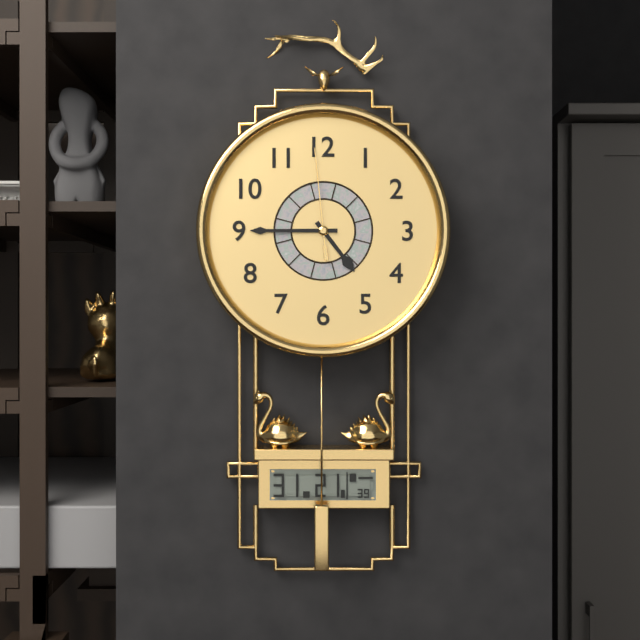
{"hour": 4, "minute": 45, "second": 59}
